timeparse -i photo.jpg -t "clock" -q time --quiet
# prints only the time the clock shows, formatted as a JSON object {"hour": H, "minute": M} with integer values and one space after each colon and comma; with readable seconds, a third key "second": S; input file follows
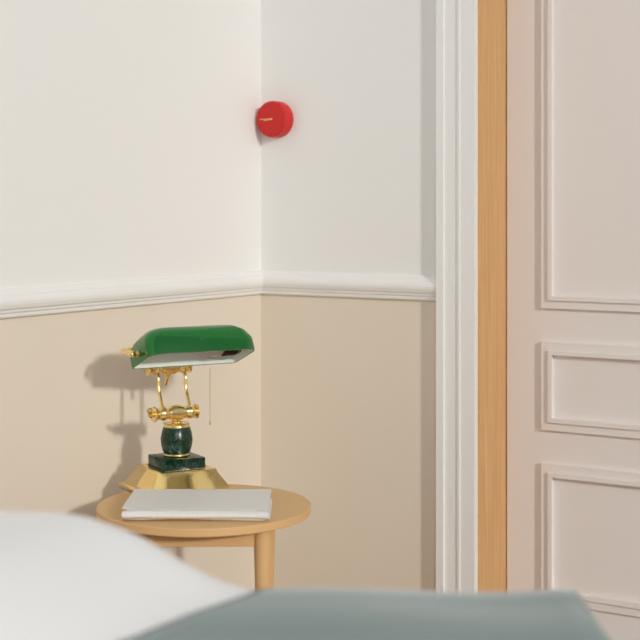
{"hour": 8, "minute": 45}
